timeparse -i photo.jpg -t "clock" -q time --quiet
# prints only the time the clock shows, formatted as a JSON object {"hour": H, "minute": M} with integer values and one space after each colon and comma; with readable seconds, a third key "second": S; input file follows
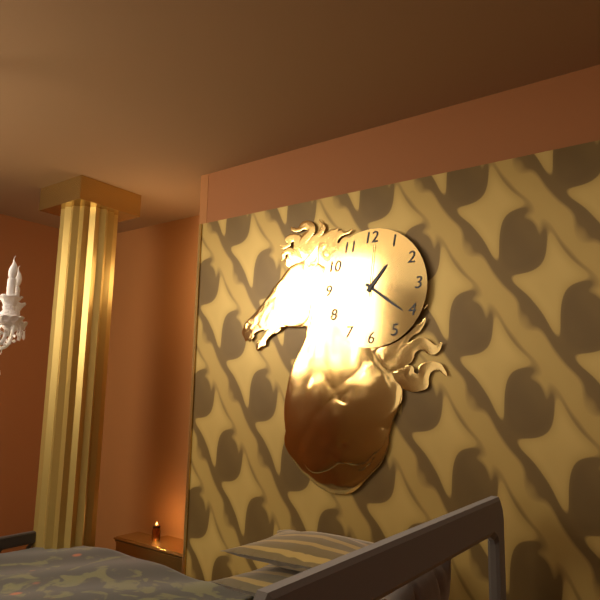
{"hour": 1, "minute": 21, "second": 1}
